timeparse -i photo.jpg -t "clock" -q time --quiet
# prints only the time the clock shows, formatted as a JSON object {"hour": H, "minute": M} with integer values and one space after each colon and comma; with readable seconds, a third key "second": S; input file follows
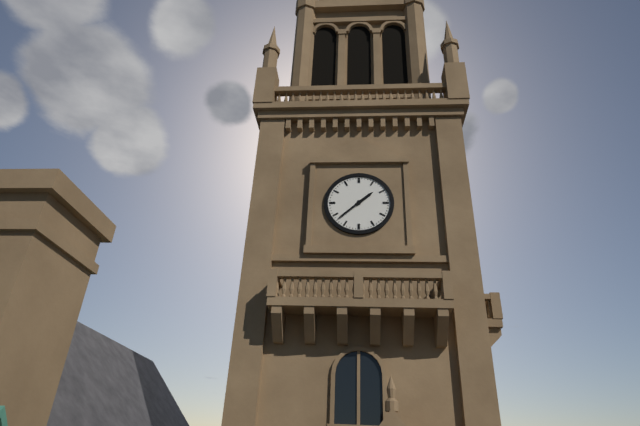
{"hour": 1, "minute": 38}
